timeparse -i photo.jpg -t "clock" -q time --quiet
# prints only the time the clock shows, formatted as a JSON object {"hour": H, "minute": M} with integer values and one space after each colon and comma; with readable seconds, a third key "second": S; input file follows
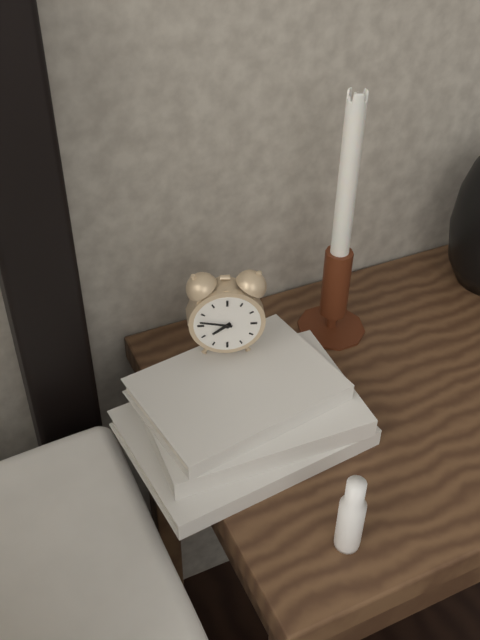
{"hour": 7, "minute": 47}
